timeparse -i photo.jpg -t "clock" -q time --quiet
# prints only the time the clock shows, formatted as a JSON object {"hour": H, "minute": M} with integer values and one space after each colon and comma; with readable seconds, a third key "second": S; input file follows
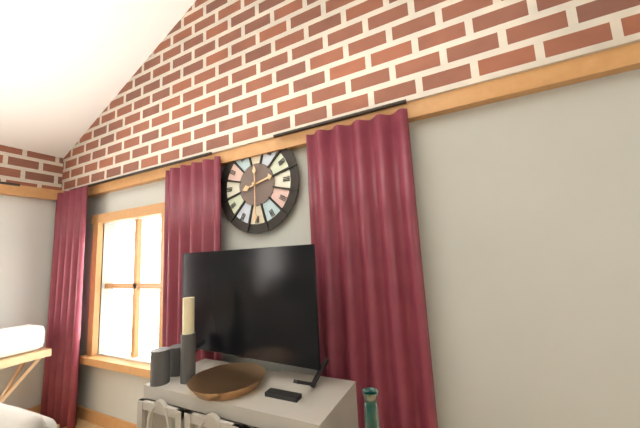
{"hour": 2, "minute": 30}
